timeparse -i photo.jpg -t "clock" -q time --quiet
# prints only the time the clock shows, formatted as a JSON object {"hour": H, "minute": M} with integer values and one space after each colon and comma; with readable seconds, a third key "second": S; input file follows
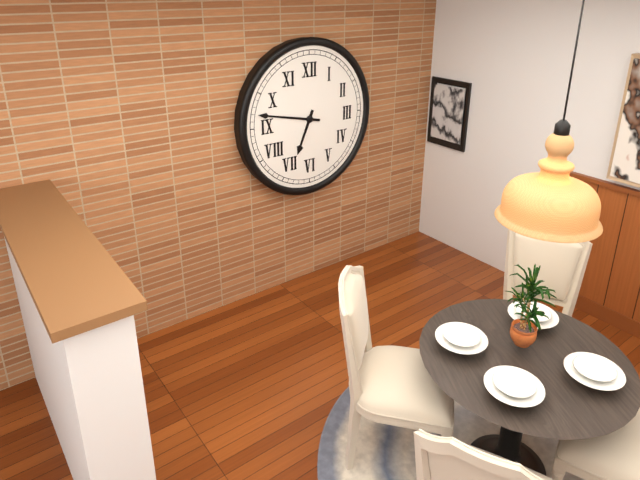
{"hour": 6, "minute": 47}
